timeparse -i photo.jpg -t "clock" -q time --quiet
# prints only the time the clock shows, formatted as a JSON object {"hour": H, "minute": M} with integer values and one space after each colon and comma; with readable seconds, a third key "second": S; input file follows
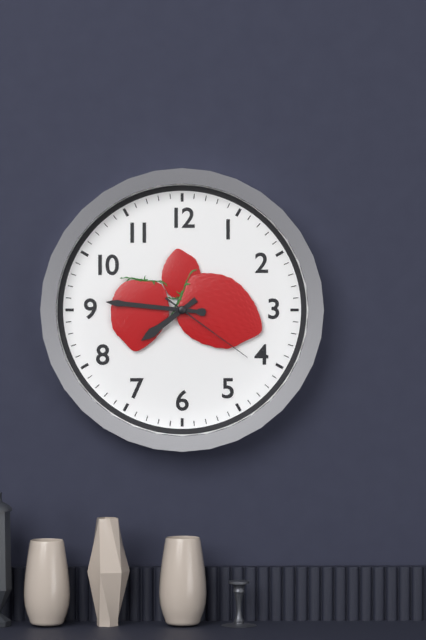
{"hour": 7, "minute": 46, "second": 21}
